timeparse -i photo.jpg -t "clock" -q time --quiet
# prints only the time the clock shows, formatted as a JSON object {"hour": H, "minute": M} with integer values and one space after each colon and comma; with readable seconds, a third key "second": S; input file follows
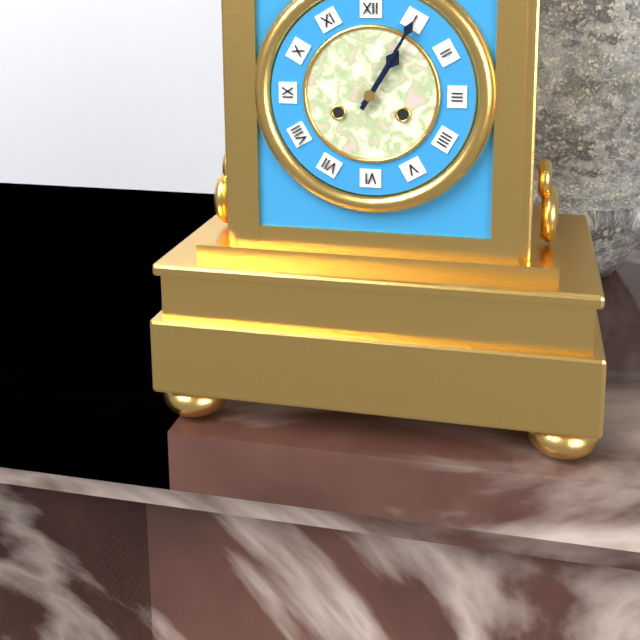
{"hour": 1, "minute": 5}
